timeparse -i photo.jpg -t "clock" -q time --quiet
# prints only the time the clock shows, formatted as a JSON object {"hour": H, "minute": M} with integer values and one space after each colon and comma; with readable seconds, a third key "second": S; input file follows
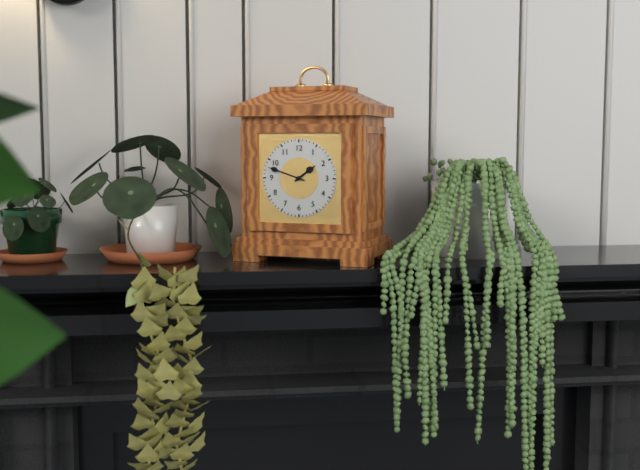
{"hour": 1, "minute": 48}
